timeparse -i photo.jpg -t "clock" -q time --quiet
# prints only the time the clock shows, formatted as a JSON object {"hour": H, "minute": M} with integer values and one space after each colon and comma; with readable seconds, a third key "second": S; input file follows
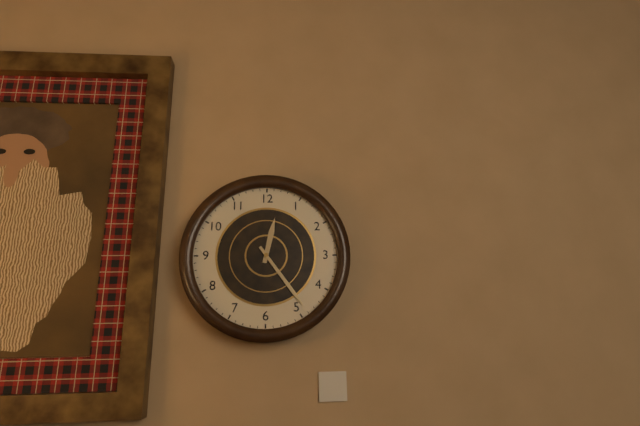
{"hour": 12, "minute": 24}
